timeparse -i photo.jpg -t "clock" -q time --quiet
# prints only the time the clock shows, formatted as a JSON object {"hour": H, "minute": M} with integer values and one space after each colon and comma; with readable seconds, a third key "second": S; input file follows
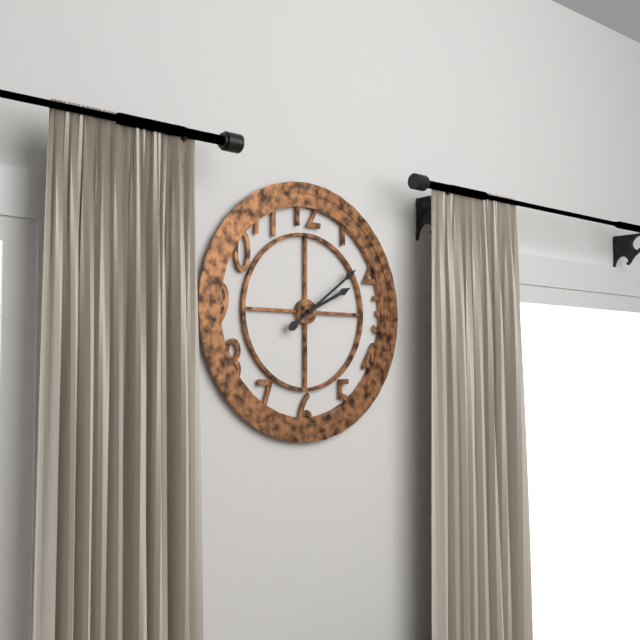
{"hour": 2, "minute": 9}
